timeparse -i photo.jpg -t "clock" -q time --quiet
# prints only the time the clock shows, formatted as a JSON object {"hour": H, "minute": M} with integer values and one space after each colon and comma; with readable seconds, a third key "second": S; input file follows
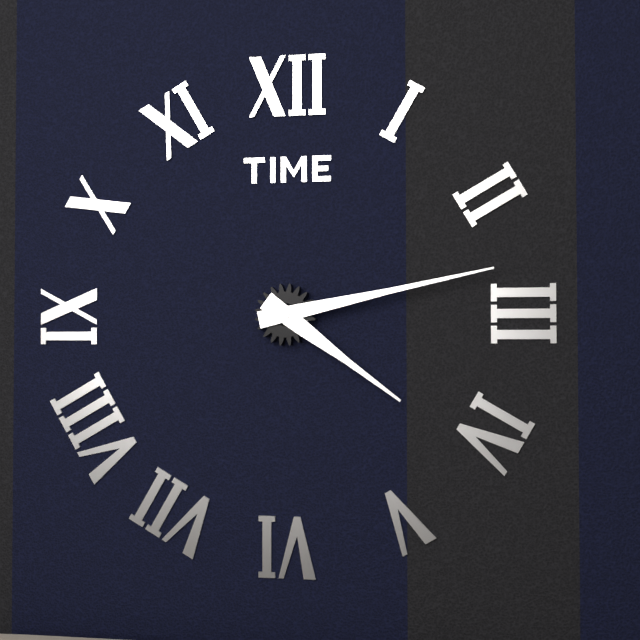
{"hour": 4, "minute": 13}
